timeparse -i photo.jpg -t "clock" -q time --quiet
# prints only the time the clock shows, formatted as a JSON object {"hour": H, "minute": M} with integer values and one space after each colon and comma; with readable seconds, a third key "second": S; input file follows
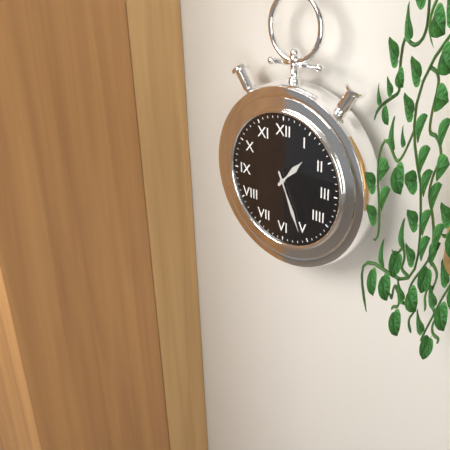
{"hour": 1, "minute": 26}
